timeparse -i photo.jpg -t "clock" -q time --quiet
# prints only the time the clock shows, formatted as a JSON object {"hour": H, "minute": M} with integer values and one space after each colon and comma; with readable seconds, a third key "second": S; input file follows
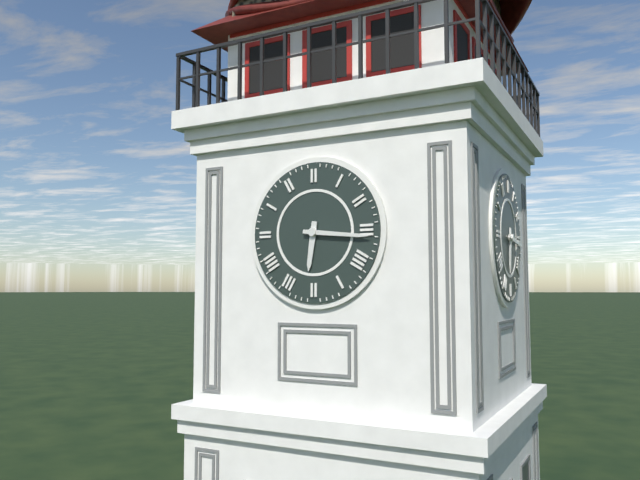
{"hour": 6, "minute": 16}
